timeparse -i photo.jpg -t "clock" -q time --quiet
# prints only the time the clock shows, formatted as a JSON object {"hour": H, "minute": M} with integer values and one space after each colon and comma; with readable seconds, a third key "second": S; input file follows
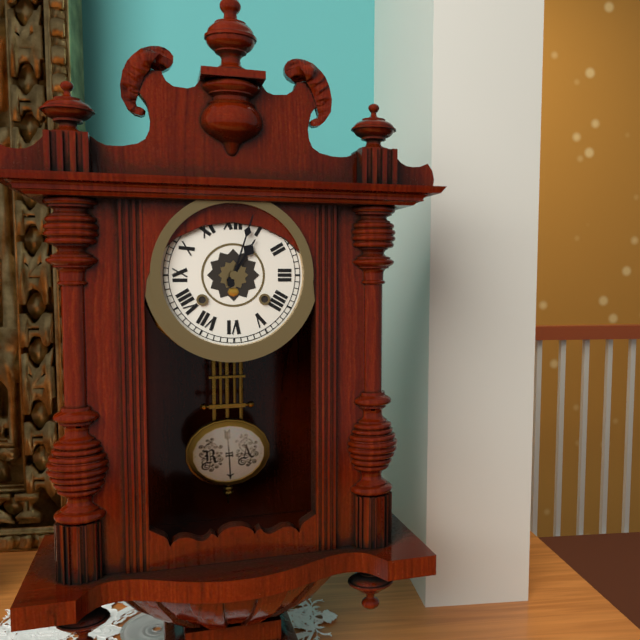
{"hour": 1, "minute": 3}
